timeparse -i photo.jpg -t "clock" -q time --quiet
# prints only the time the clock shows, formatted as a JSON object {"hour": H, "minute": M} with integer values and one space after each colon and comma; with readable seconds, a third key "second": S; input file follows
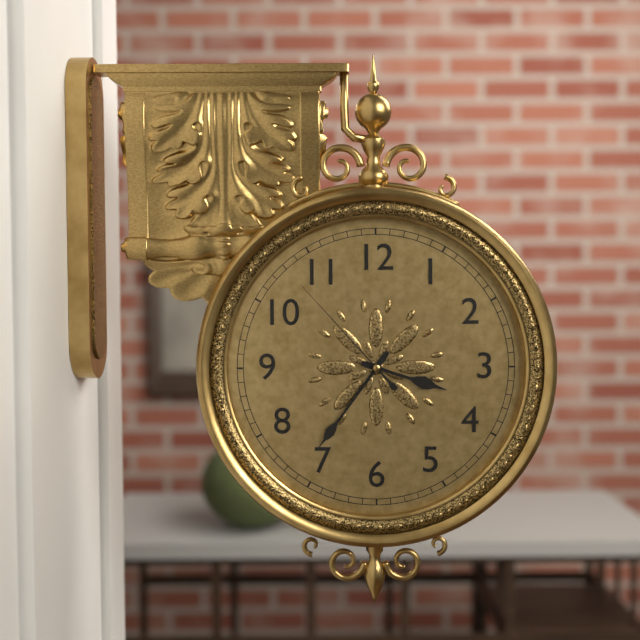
{"hour": 3, "minute": 36, "second": 53}
